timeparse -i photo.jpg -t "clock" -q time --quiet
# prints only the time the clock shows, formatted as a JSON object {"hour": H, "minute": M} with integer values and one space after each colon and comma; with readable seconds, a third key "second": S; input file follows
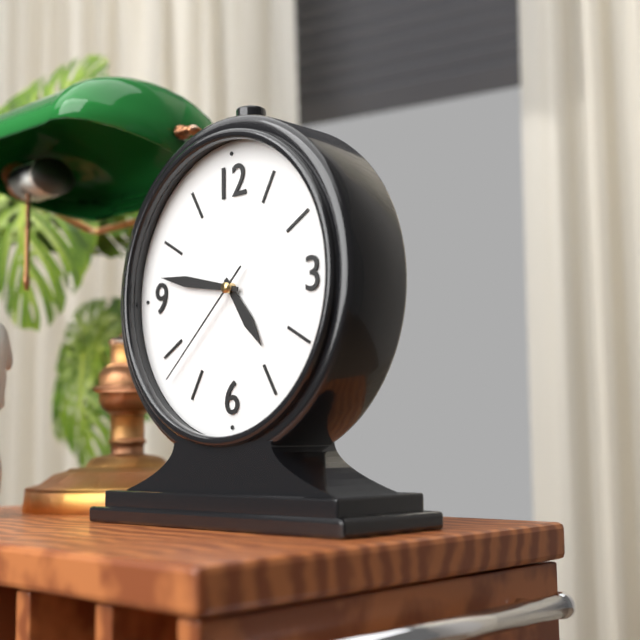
{"hour": 4, "minute": 47, "second": 38}
